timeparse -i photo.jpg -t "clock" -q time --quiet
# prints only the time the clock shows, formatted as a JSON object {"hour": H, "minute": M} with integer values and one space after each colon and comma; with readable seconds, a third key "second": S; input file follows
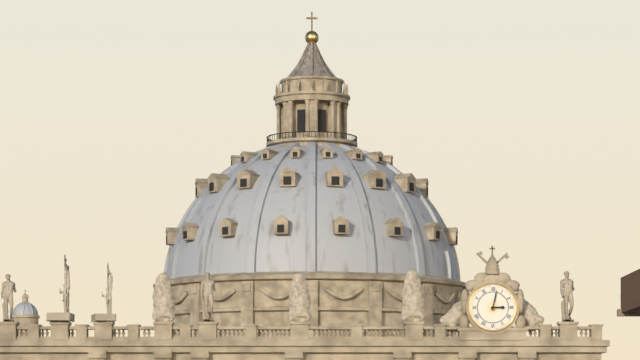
{"hour": 3, "minute": 2}
